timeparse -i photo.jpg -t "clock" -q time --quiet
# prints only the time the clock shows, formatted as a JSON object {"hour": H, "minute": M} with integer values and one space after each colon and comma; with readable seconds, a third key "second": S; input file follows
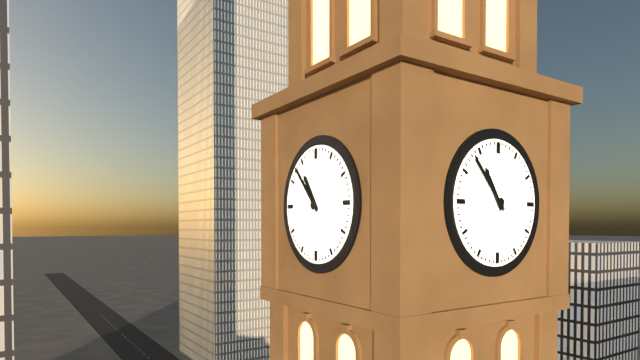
{"hour": 10, "minute": 53}
